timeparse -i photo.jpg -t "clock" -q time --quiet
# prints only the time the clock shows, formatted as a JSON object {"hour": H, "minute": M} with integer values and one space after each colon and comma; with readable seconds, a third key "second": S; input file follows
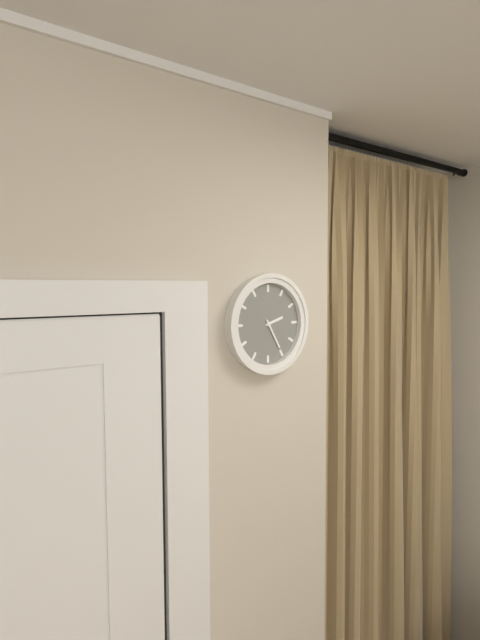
{"hour": 2, "minute": 25}
